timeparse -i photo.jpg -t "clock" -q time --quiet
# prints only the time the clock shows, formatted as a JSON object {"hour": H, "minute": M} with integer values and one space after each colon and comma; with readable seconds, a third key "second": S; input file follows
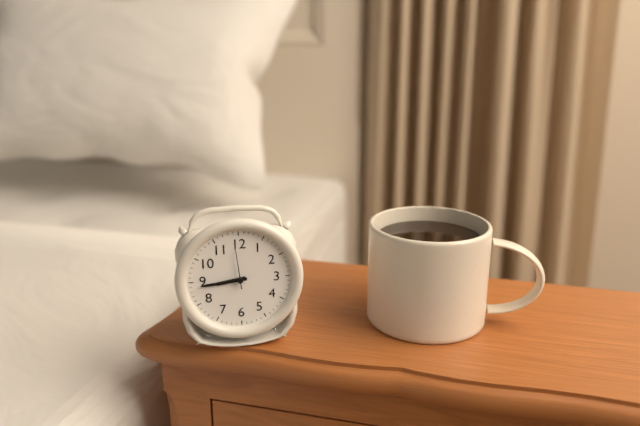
{"hour": 8, "minute": 44}
